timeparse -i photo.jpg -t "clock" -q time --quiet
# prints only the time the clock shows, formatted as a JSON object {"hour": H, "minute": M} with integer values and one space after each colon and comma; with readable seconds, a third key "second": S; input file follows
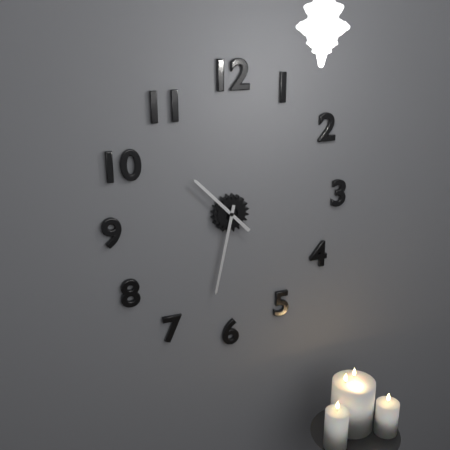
{"hour": 10, "minute": 32}
